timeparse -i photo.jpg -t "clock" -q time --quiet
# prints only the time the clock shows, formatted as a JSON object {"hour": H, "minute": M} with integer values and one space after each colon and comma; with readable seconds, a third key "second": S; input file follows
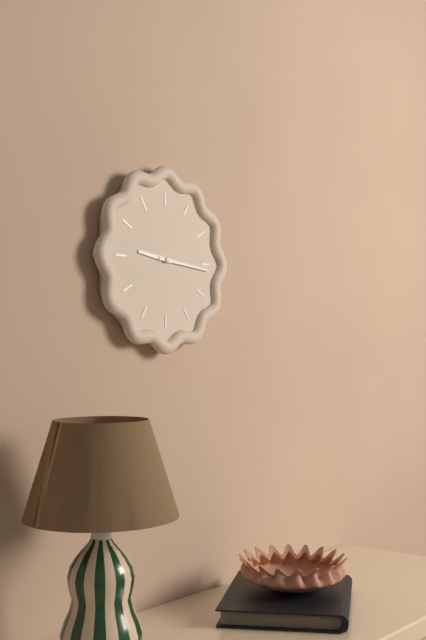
{"hour": 9, "minute": 16}
